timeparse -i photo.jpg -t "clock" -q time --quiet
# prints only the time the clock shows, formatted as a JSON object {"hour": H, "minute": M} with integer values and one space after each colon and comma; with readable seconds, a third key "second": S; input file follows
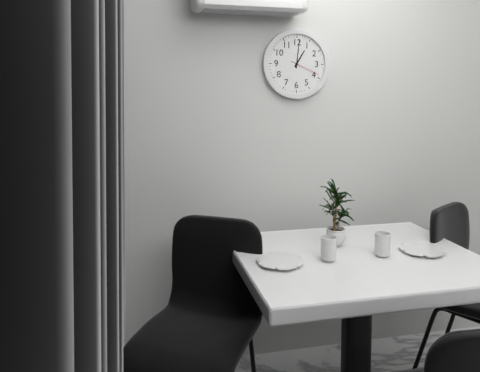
{"hour": 1, "minute": 1}
